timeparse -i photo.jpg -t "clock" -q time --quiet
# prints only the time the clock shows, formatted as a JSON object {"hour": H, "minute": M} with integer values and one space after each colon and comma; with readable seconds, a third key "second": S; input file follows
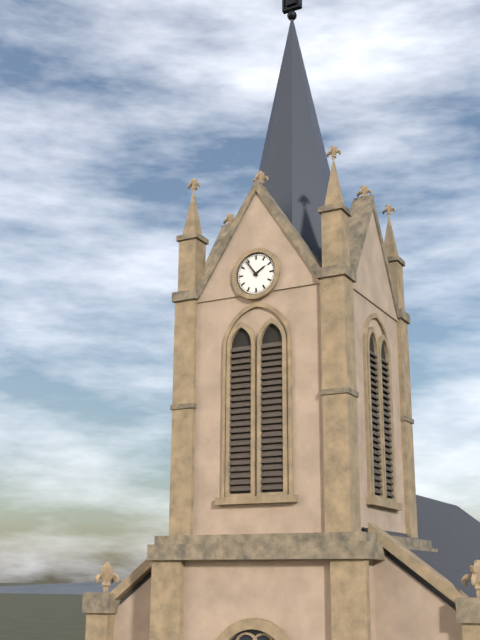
{"hour": 1, "minute": 54}
